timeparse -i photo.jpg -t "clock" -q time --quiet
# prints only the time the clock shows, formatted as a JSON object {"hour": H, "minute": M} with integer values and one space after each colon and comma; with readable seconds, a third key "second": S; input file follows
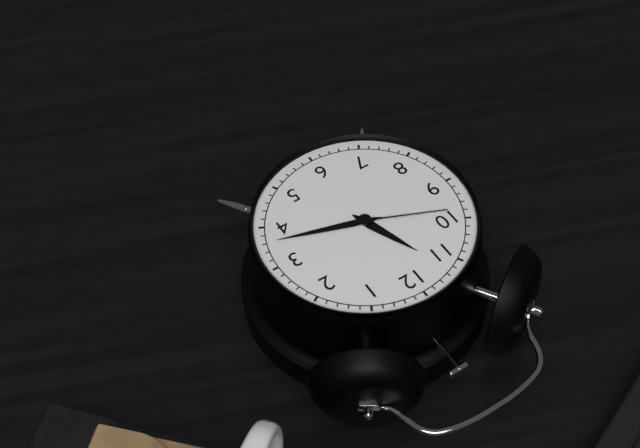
{"hour": 11, "minute": 18, "second": 49}
